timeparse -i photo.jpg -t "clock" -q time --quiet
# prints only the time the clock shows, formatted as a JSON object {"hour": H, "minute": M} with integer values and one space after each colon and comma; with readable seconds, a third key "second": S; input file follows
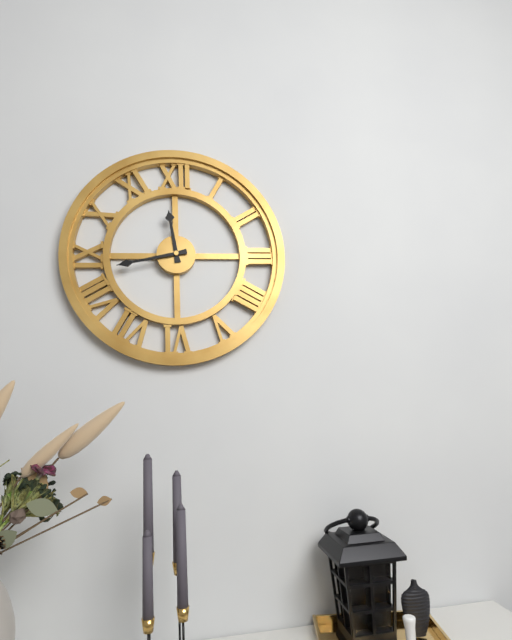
{"hour": 11, "minute": 43}
